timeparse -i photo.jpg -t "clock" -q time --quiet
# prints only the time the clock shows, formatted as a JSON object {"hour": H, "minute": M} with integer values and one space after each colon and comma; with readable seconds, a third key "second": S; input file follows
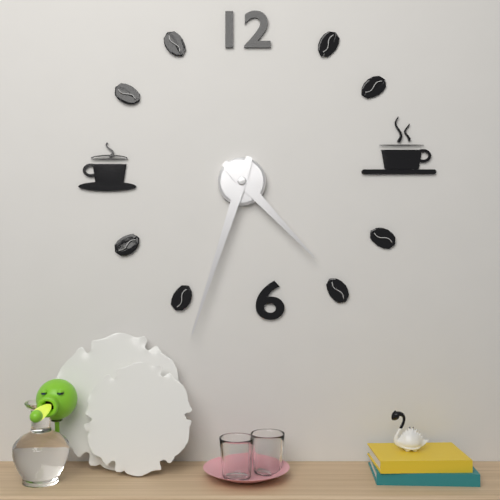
{"hour": 4, "minute": 33}
